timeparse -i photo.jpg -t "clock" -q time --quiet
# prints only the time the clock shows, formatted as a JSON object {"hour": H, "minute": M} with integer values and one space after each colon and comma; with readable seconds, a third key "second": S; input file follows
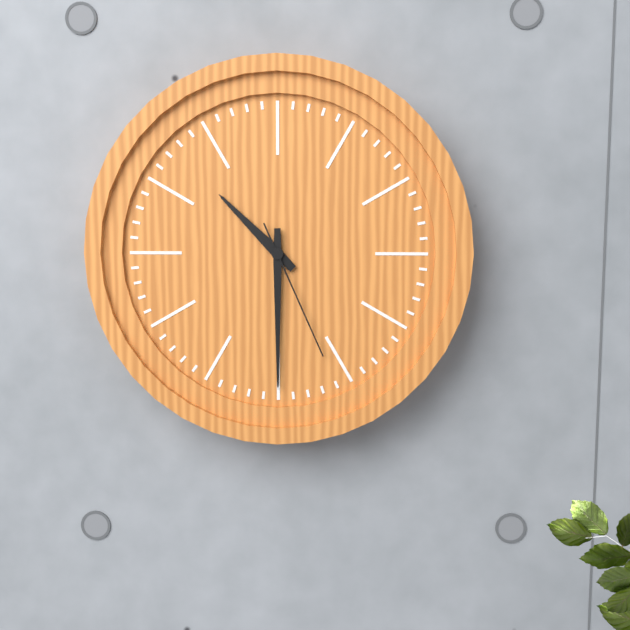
{"hour": 10, "minute": 30, "second": 26}
